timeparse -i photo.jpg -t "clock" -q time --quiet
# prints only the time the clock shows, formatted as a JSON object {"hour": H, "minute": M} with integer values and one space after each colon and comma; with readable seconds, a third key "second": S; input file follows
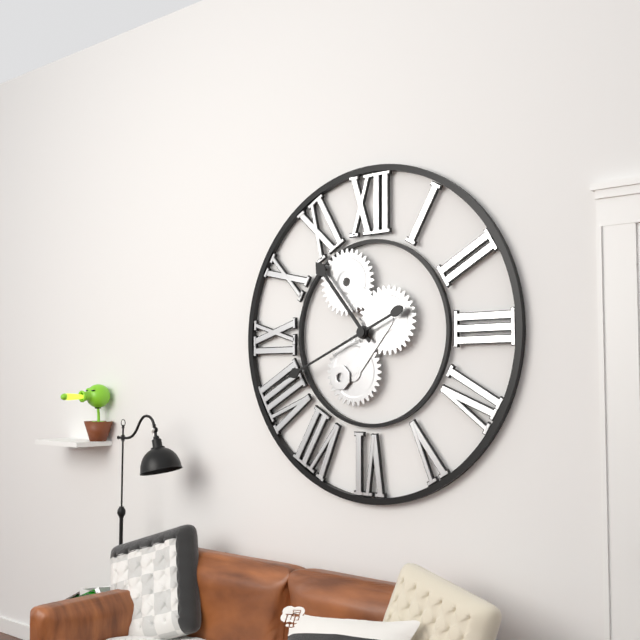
{"hour": 10, "minute": 41}
